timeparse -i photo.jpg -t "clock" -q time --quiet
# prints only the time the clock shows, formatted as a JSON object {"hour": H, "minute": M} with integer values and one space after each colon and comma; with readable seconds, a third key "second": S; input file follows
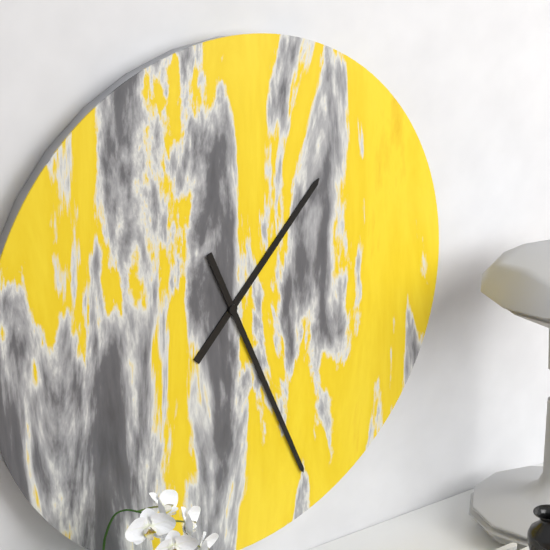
{"hour": 1, "minute": 26}
